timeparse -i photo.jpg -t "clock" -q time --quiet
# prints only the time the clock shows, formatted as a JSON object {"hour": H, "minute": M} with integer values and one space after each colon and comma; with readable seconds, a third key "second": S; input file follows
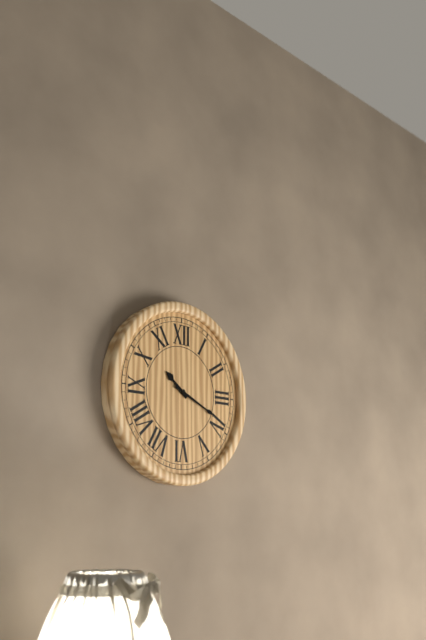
{"hour": 10, "minute": 19}
